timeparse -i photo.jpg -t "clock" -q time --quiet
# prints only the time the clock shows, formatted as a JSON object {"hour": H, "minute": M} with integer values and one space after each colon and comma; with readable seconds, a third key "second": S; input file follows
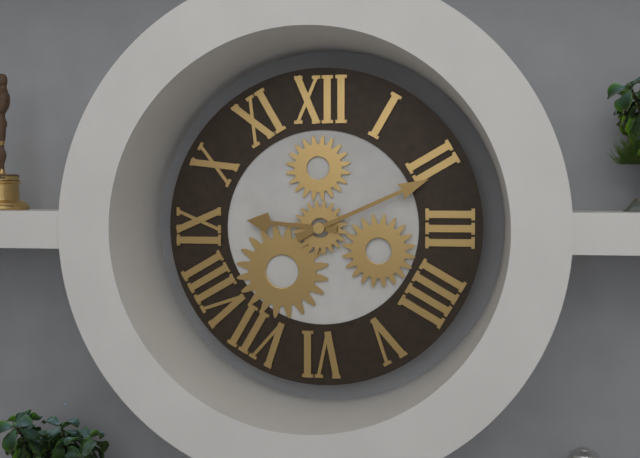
{"hour": 9, "minute": 11}
